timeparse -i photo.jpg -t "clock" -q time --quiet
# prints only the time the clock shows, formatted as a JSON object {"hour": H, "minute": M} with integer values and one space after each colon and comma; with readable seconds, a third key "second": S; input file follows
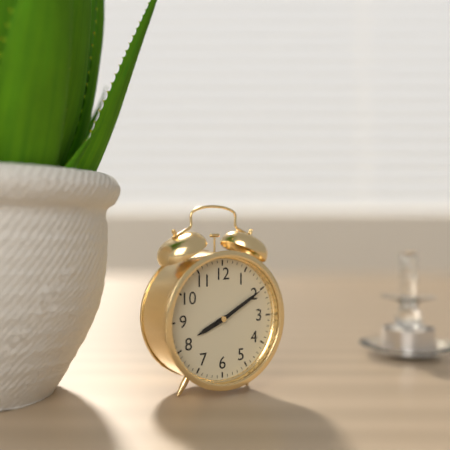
{"hour": 8, "minute": 10}
